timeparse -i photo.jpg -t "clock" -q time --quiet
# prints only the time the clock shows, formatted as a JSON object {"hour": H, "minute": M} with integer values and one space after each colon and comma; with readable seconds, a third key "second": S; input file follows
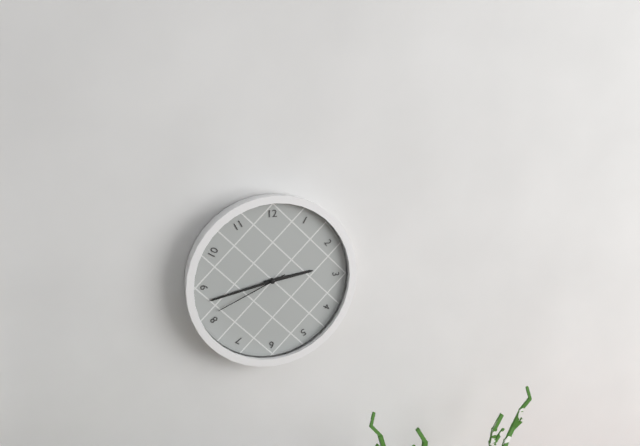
{"hour": 2, "minute": 43, "second": 41}
